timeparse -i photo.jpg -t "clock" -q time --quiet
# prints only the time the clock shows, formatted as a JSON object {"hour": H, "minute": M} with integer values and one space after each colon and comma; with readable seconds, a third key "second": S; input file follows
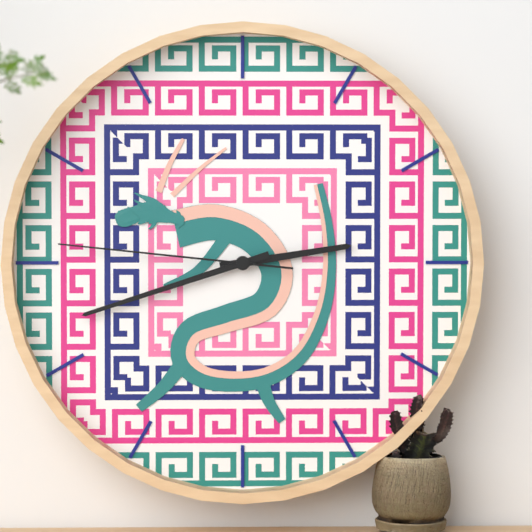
{"hour": 2, "minute": 42, "second": 46}
